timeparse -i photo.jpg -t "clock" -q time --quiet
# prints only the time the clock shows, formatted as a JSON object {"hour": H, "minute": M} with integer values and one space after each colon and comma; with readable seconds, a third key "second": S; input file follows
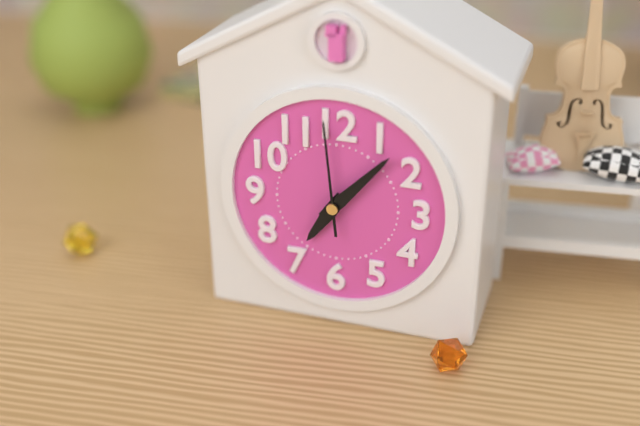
{"hour": 7, "minute": 7, "second": 59}
